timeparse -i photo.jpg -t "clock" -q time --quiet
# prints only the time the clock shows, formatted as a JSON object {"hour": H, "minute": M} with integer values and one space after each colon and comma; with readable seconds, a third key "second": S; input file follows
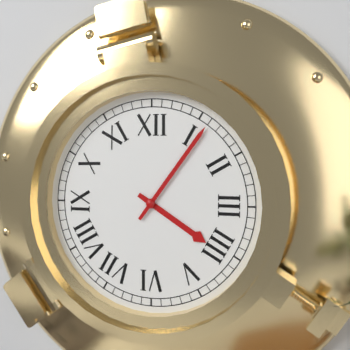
{"hour": 4, "minute": 6}
